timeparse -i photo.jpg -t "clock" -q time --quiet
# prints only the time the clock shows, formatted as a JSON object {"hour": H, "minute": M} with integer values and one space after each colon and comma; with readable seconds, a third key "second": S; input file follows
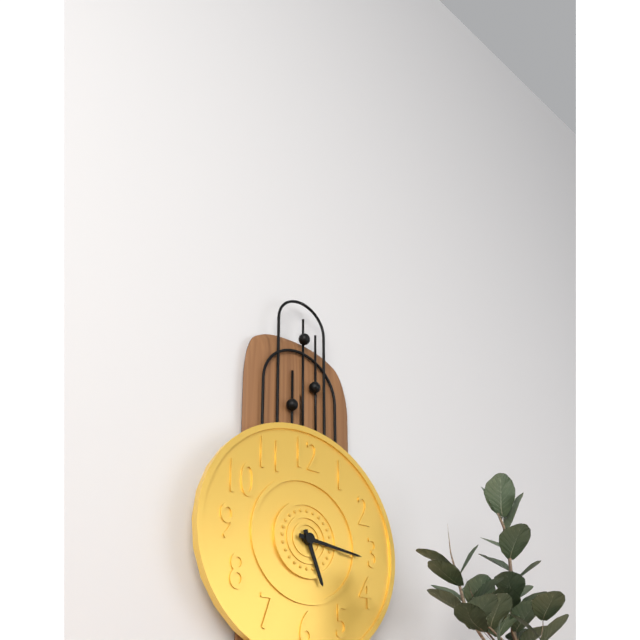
{"hour": 5, "minute": 16}
